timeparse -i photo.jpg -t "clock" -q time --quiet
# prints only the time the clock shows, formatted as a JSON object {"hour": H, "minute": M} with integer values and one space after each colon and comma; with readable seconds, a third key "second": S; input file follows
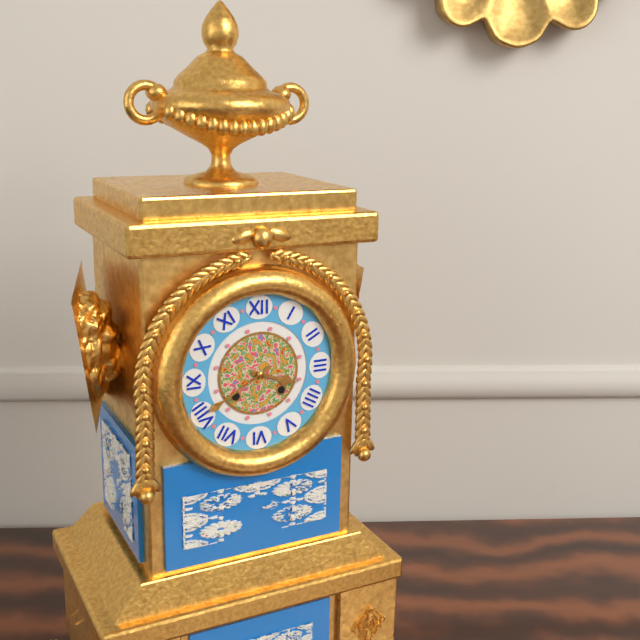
{"hour": 3, "minute": 40}
